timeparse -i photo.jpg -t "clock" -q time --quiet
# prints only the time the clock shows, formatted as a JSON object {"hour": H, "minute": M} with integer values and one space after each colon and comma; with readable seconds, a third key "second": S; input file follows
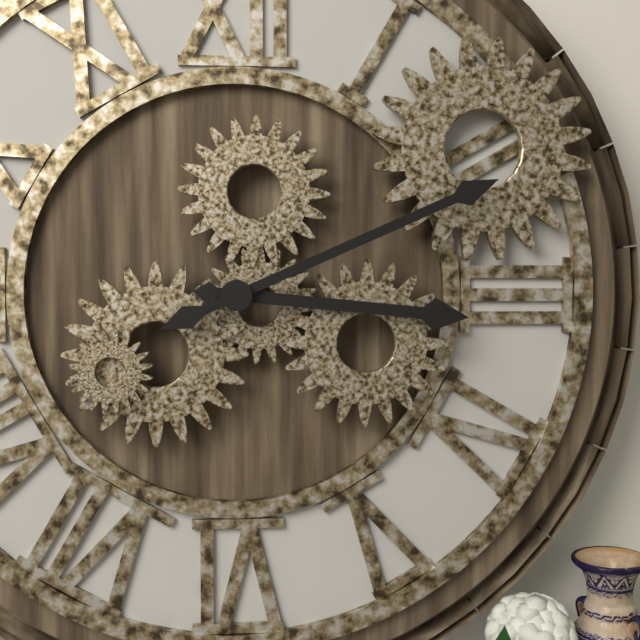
{"hour": 3, "minute": 11}
